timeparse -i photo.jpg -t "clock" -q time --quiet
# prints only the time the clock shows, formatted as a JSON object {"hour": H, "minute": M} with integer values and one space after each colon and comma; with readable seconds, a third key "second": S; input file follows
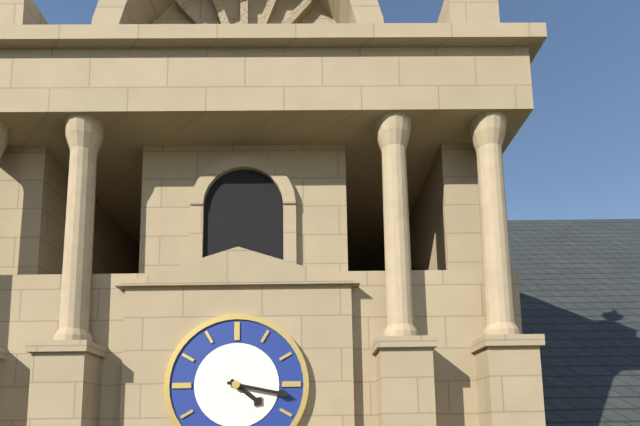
{"hour": 4, "minute": 17}
